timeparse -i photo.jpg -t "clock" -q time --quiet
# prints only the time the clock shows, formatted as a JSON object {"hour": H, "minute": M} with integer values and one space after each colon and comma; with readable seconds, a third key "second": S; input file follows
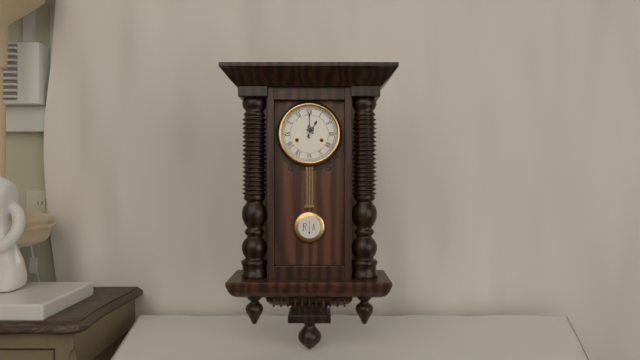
{"hour": 1, "minute": 0}
